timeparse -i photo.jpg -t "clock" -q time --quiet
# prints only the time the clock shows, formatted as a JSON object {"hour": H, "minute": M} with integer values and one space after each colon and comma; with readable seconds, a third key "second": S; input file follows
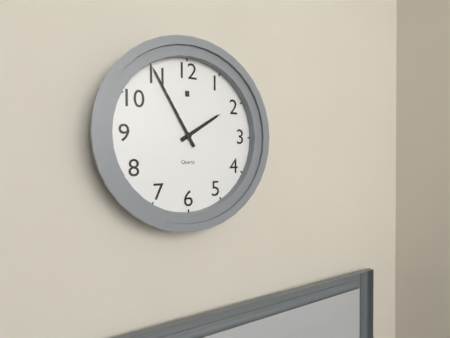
{"hour": 1, "minute": 55}
